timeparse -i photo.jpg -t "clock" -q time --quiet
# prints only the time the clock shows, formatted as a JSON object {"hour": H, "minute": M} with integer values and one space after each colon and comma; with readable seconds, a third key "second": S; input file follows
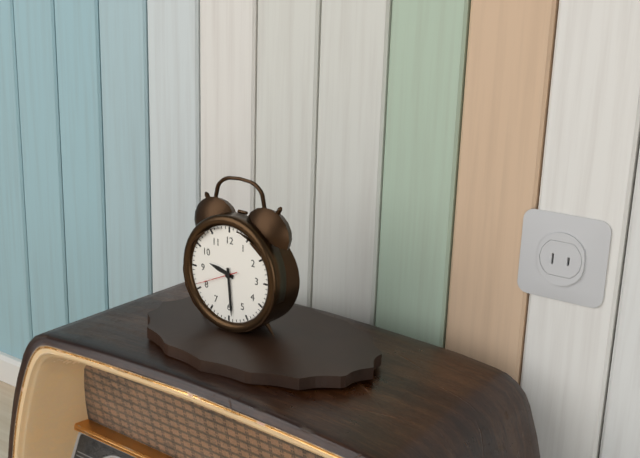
{"hour": 9, "minute": 29}
